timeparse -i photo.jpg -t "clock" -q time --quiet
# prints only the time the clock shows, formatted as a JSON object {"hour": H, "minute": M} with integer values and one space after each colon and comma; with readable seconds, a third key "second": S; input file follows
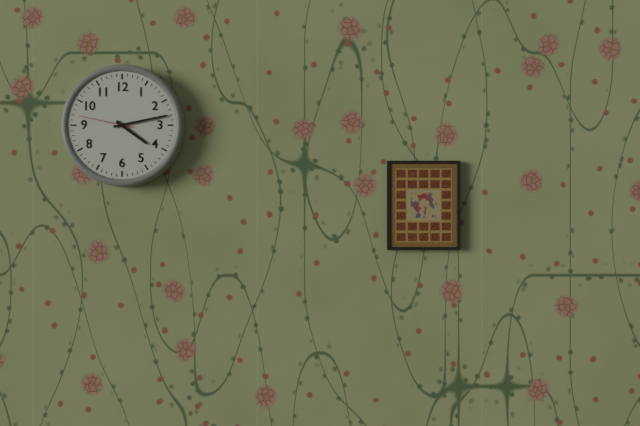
{"hour": 4, "minute": 13, "second": 47}
